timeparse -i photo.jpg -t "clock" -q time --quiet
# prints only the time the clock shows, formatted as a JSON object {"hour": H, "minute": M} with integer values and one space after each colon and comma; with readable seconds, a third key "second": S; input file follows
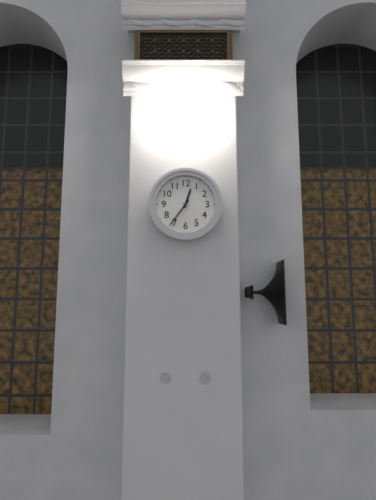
{"hour": 12, "minute": 36}
